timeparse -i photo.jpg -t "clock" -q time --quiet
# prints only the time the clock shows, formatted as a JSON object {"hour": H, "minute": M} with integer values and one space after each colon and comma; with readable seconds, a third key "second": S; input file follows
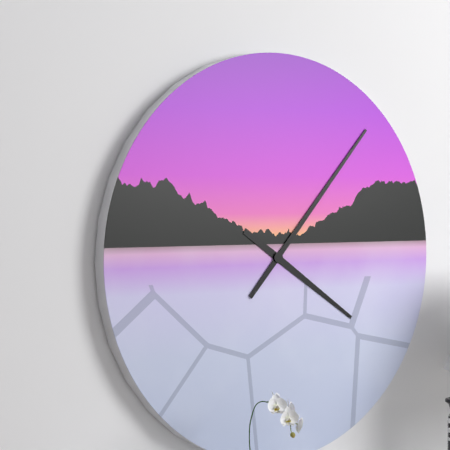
{"hour": 4, "minute": 7}
